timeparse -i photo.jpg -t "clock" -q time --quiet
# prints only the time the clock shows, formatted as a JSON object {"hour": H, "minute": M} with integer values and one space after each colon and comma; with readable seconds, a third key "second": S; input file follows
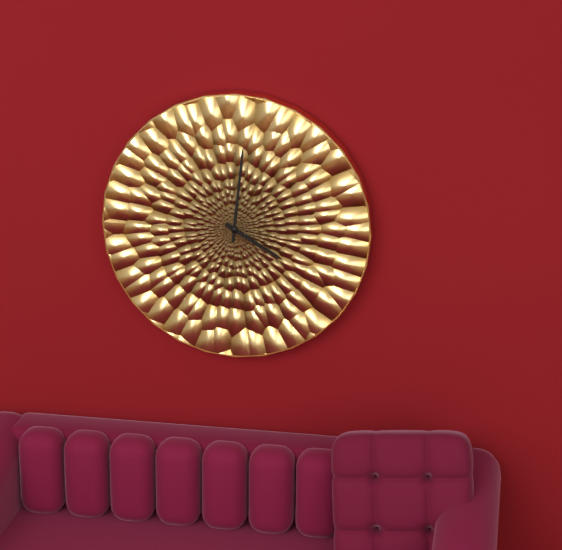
{"hour": 4, "minute": 1}
